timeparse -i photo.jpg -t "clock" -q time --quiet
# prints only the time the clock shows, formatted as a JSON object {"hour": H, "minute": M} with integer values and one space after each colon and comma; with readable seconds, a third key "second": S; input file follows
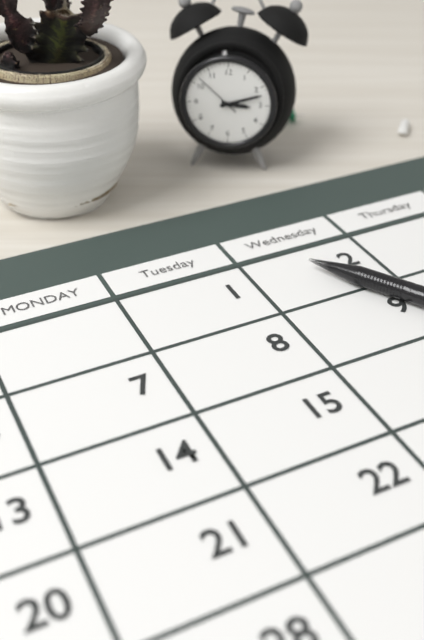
{"hour": 3, "minute": 12}
